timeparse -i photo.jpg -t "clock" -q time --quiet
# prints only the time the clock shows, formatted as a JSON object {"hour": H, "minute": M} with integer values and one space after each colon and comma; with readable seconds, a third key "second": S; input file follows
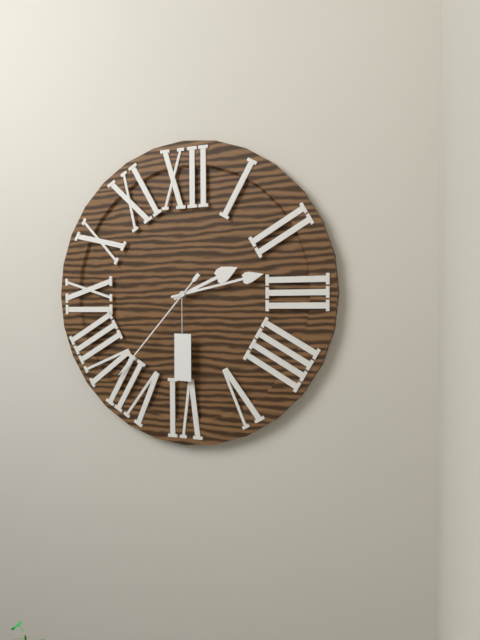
{"hour": 2, "minute": 13, "second": 37}
